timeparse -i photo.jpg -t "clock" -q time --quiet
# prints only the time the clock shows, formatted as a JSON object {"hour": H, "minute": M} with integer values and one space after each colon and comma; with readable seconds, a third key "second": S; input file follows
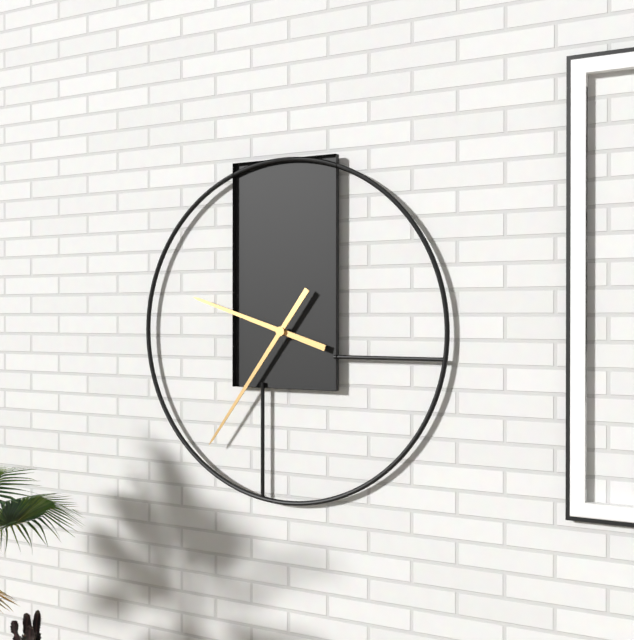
{"hour": 9, "minute": 36}
